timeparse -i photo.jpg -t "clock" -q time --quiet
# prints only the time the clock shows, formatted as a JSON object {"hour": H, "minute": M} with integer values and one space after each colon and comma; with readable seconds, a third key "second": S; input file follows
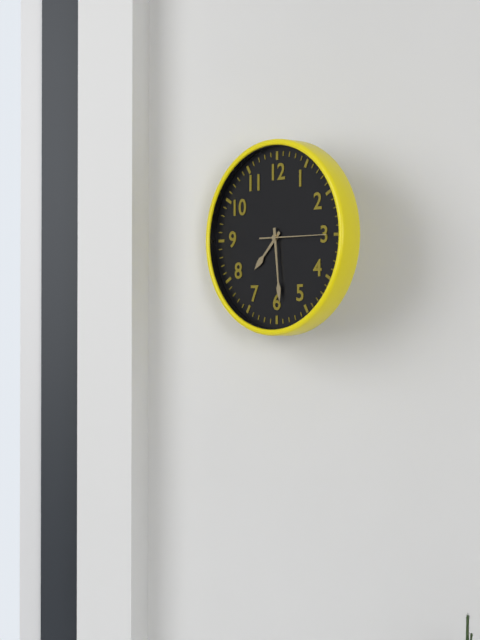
{"hour": 7, "minute": 29}
